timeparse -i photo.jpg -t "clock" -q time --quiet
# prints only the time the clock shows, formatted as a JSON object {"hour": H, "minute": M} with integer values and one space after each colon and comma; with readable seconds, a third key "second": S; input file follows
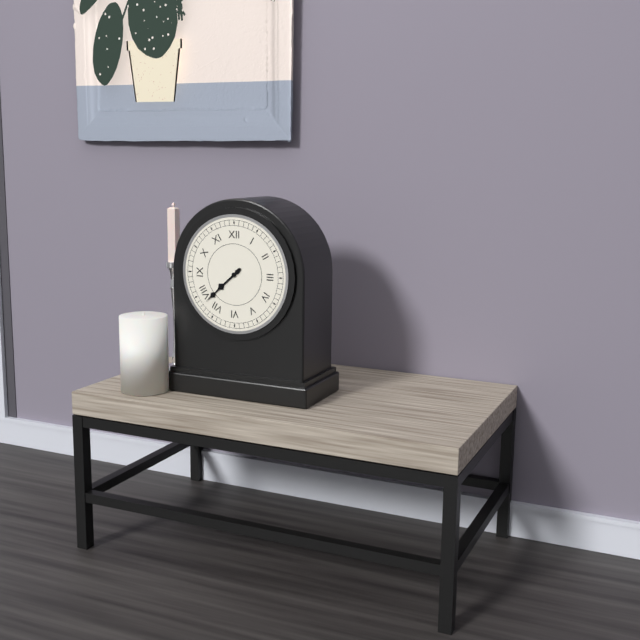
{"hour": 7, "minute": 38}
